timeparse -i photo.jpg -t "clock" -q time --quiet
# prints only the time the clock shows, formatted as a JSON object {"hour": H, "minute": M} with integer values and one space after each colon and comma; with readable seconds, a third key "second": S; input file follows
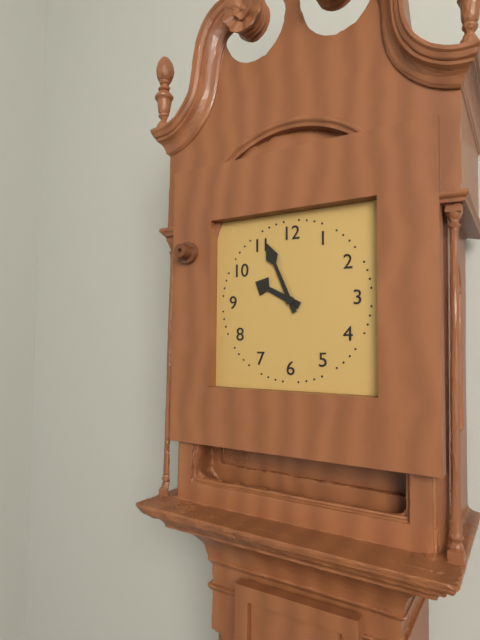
{"hour": 9, "minute": 56}
